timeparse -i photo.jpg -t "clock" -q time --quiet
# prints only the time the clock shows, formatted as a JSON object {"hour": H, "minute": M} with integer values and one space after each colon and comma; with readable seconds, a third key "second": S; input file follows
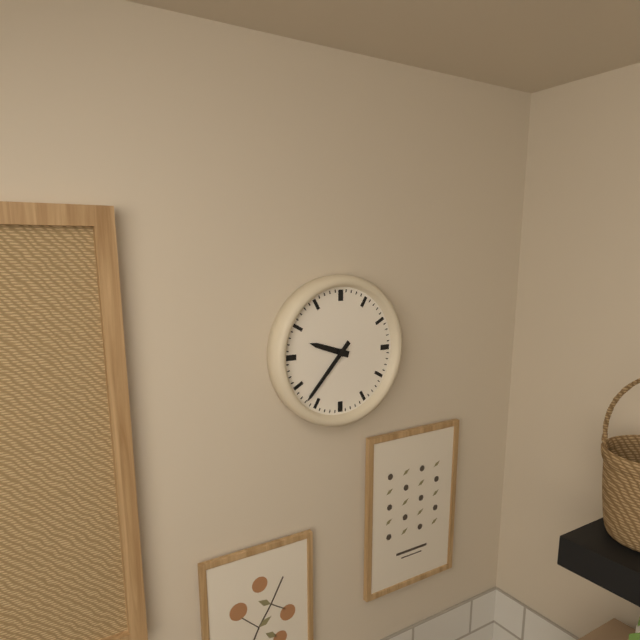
{"hour": 9, "minute": 37}
